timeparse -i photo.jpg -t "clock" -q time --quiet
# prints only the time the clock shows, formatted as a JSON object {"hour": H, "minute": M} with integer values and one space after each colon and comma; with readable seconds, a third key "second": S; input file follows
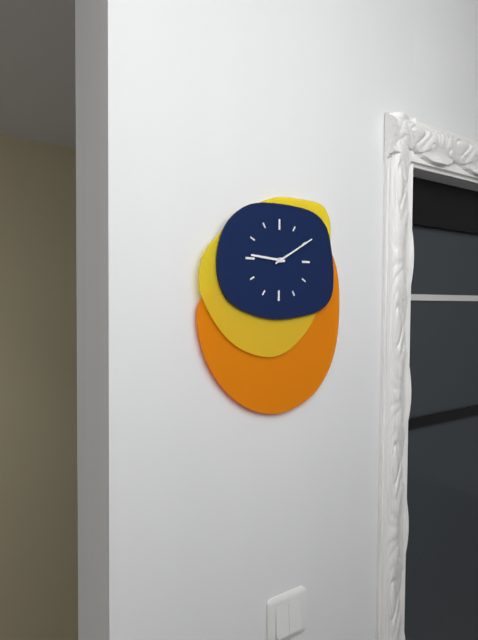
{"hour": 9, "minute": 10}
